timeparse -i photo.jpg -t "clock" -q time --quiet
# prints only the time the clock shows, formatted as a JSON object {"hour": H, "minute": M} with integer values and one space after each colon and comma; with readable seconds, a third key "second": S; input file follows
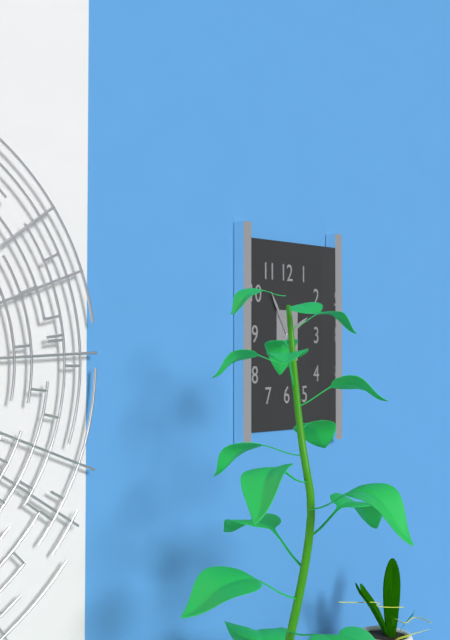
{"hour": 1, "minute": 55}
